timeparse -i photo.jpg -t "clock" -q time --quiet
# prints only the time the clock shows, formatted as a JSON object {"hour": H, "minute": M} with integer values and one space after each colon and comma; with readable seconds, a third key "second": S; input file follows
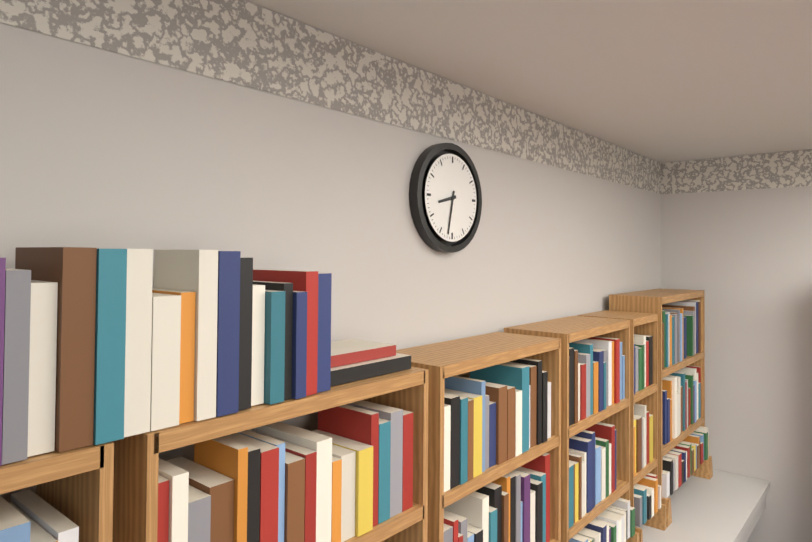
{"hour": 8, "minute": 32}
